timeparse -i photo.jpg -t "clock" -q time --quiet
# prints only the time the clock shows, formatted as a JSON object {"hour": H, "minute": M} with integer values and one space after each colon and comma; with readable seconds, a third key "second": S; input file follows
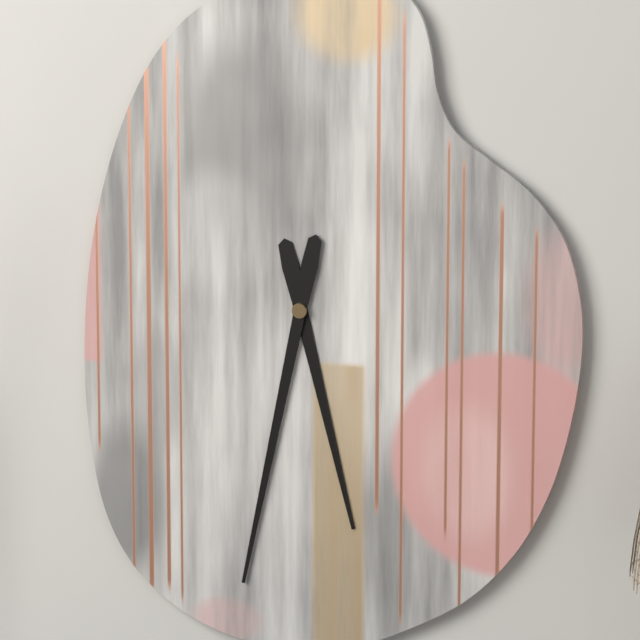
{"hour": 5, "minute": 32}
